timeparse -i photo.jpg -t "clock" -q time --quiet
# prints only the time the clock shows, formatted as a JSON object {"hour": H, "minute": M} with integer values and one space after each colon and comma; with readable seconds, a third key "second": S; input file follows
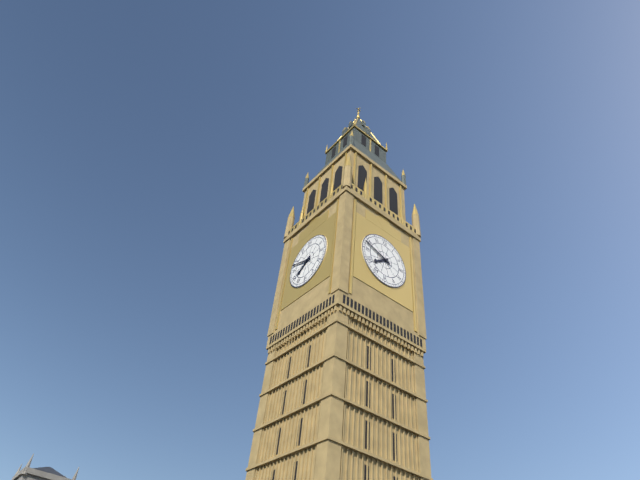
{"hour": 7, "minute": 48}
